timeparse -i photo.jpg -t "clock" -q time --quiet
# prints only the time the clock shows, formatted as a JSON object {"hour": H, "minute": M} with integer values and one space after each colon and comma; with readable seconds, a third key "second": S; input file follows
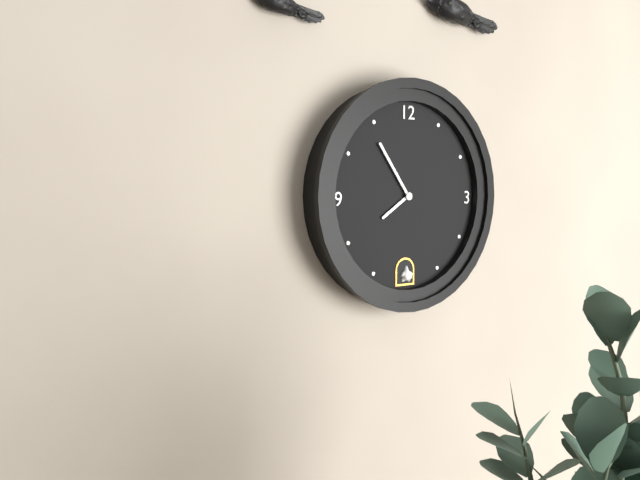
{"hour": 7, "minute": 54}
